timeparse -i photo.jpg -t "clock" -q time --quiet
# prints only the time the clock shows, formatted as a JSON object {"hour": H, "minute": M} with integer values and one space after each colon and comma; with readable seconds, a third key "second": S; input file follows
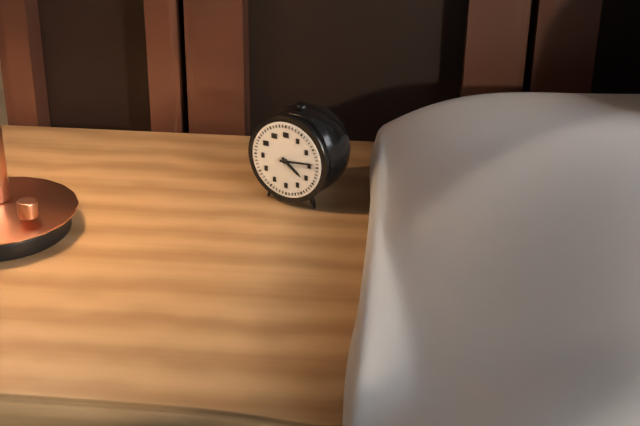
{"hour": 4, "minute": 14}
